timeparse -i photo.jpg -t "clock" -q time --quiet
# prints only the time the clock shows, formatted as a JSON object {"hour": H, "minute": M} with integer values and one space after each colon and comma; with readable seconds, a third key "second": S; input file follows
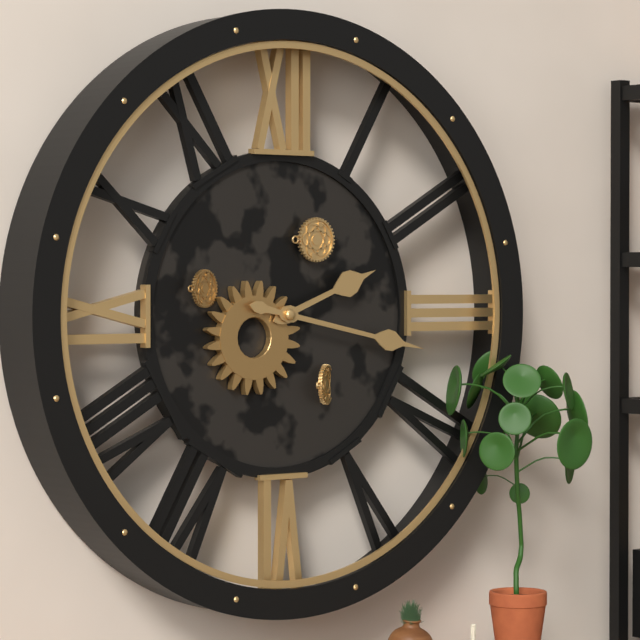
{"hour": 2, "minute": 17}
